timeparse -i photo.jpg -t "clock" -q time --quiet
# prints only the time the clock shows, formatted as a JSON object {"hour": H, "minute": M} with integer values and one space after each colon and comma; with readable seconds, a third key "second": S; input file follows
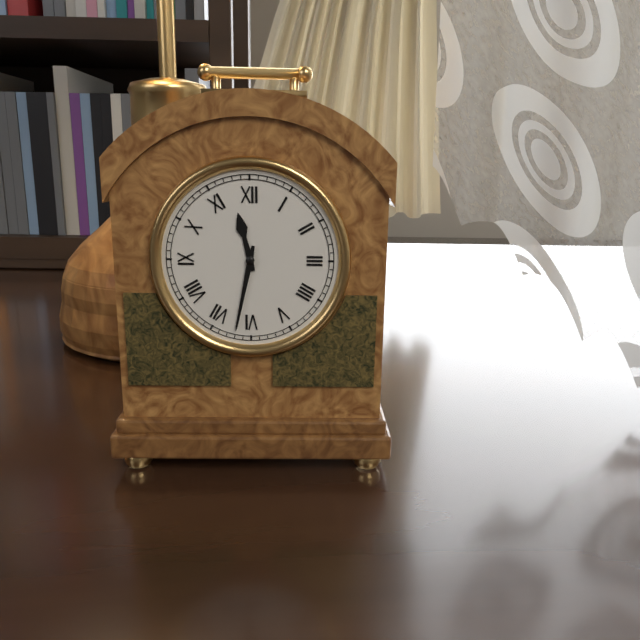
{"hour": 11, "minute": 32}
